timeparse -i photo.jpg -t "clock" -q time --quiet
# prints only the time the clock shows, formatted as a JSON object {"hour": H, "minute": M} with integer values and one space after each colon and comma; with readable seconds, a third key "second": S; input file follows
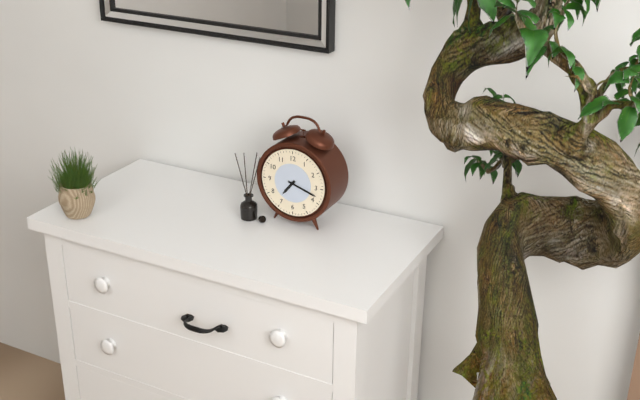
{"hour": 7, "minute": 18}
